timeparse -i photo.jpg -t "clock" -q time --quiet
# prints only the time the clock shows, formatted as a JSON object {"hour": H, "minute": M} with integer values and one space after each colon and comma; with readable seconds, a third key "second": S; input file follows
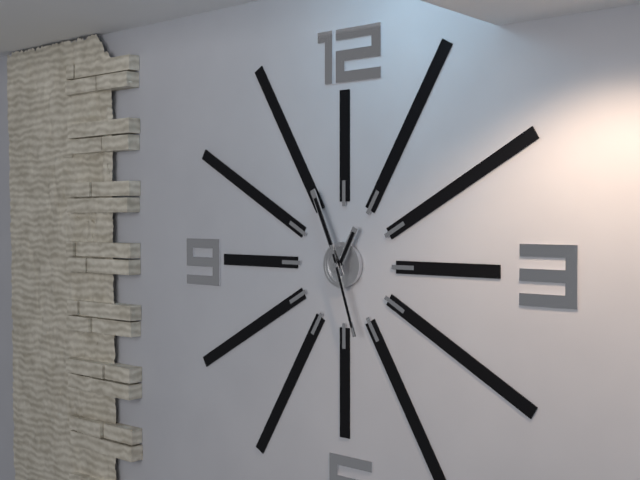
{"hour": 12, "minute": 56, "second": 27}
